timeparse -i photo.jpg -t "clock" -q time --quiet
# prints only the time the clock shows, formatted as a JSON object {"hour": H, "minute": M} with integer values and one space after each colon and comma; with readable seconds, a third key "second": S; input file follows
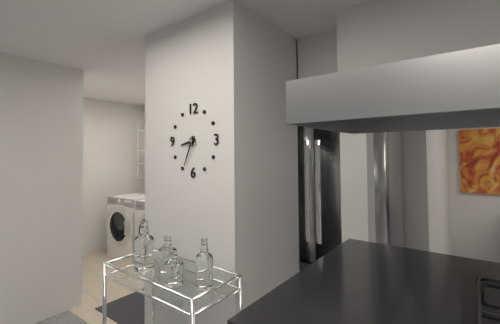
{"hour": 8, "minute": 34}
